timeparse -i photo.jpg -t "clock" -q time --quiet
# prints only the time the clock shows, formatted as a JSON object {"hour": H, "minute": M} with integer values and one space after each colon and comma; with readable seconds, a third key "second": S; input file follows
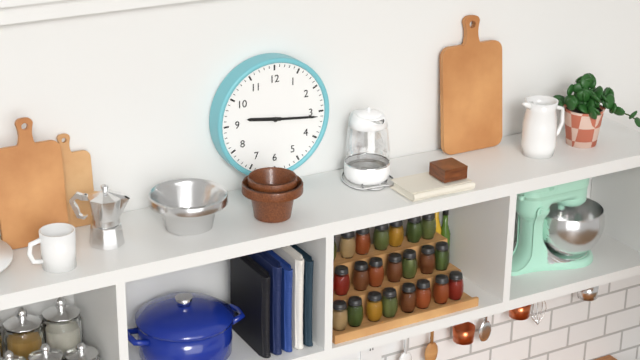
{"hour": 9, "minute": 16}
